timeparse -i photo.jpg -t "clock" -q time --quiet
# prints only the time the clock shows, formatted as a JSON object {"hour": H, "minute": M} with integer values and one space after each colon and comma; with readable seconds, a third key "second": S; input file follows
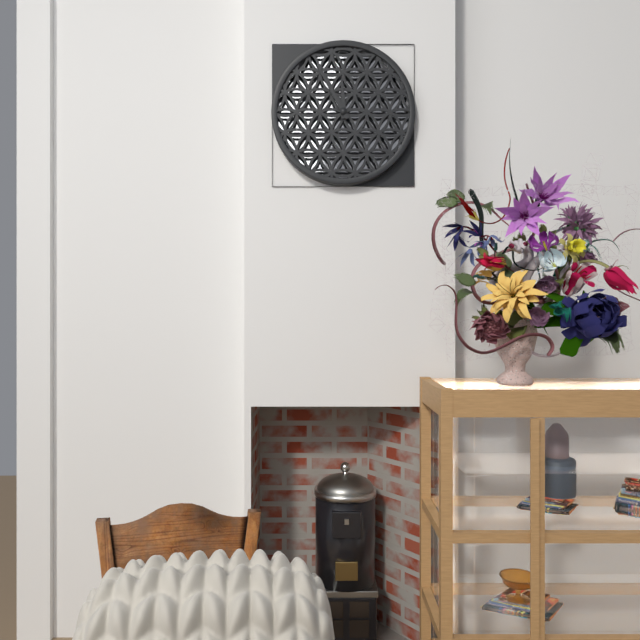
{"hour": 11, "minute": 55}
